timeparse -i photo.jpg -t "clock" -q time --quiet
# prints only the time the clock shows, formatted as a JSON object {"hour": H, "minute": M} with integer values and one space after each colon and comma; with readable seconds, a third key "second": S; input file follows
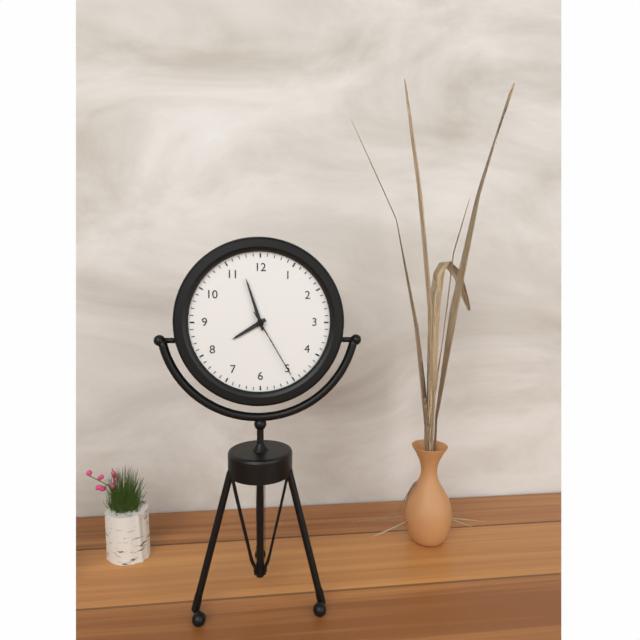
{"hour": 7, "minute": 57, "second": 25}
